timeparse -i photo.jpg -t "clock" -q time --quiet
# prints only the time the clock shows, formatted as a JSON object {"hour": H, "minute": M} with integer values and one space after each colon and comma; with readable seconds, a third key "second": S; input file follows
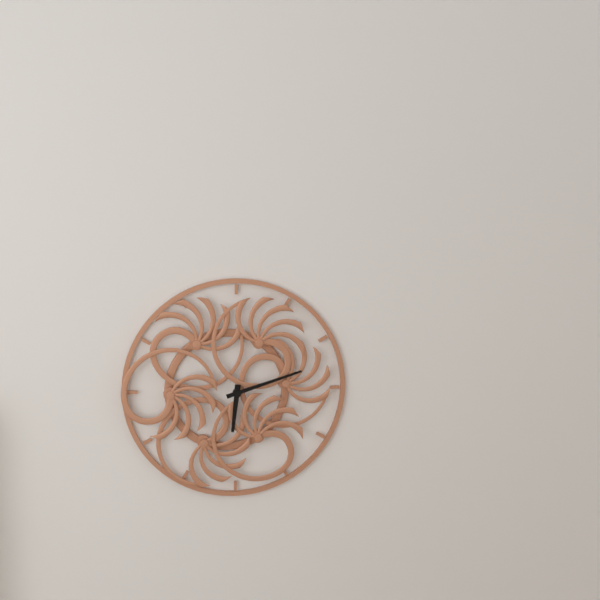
{"hour": 6, "minute": 12}
